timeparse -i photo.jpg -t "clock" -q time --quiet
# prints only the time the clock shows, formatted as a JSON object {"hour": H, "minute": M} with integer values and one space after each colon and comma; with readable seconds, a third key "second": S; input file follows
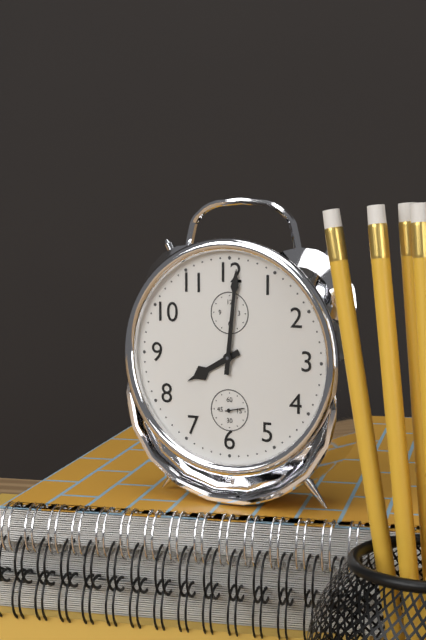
{"hour": 8, "minute": 1}
